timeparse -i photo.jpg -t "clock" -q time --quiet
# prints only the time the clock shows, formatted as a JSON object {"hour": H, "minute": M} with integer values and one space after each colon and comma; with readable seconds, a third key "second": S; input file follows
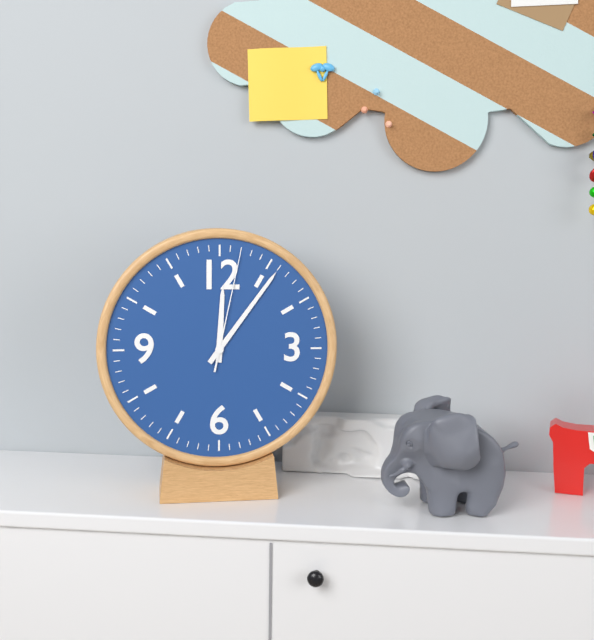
{"hour": 12, "minute": 6, "second": 2}
